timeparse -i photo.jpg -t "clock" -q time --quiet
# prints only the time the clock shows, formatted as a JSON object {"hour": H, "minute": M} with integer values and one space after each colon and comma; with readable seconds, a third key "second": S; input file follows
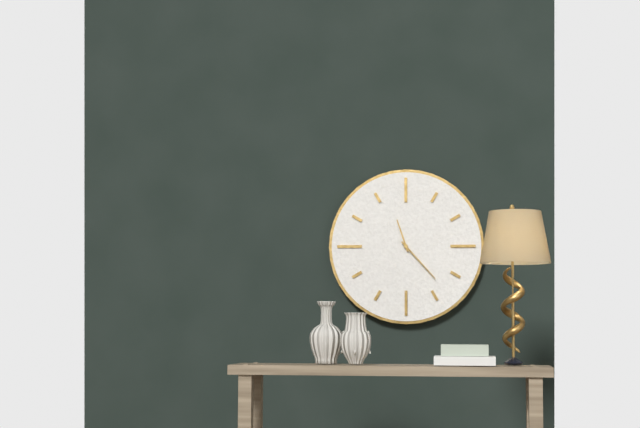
{"hour": 11, "minute": 23}
